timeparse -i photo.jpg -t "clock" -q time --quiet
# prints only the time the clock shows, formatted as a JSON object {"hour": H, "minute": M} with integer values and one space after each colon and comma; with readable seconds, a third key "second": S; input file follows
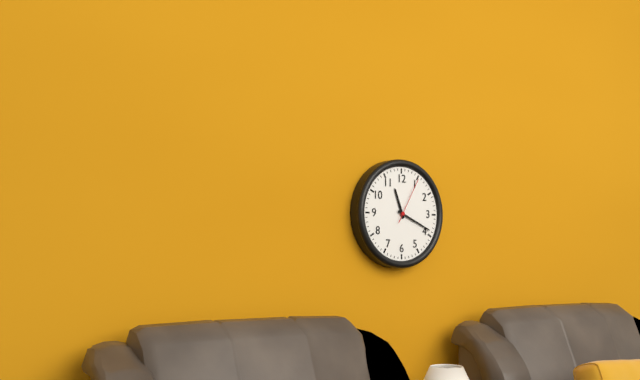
{"hour": 11, "minute": 19}
